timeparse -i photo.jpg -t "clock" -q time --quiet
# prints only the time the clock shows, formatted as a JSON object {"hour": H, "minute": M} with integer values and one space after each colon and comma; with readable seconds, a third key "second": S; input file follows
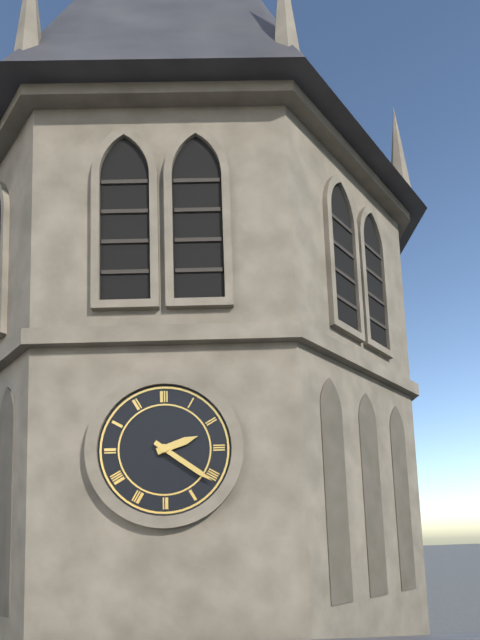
{"hour": 2, "minute": 21}
